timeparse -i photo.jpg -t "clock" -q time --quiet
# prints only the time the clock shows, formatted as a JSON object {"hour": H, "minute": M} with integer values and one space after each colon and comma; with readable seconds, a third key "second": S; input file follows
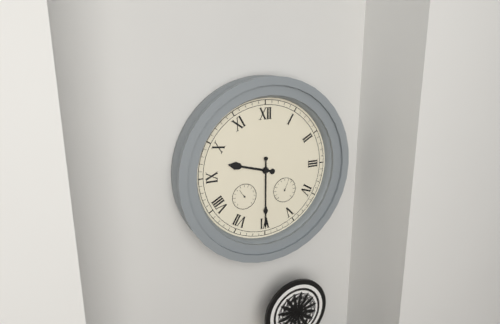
{"hour": 9, "minute": 30}
